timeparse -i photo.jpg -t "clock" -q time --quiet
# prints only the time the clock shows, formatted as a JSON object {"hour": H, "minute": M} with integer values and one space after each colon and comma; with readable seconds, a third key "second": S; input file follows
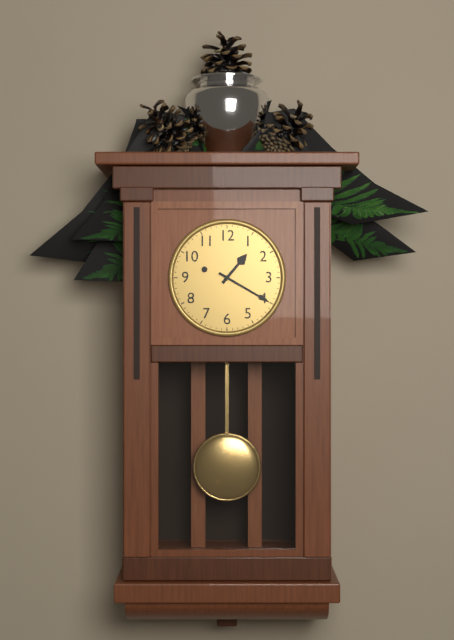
{"hour": 1, "minute": 20}
